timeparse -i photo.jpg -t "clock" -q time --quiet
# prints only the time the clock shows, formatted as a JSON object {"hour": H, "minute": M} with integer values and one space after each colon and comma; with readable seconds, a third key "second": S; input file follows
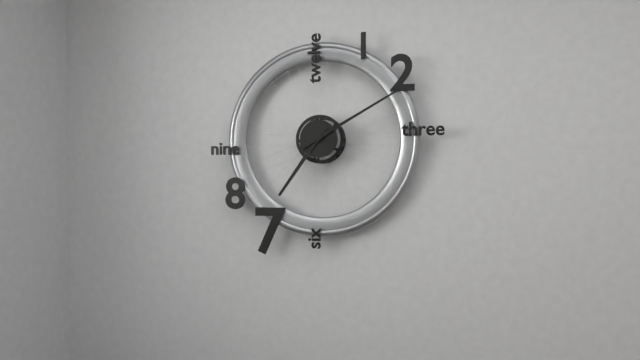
{"hour": 7, "minute": 10}
